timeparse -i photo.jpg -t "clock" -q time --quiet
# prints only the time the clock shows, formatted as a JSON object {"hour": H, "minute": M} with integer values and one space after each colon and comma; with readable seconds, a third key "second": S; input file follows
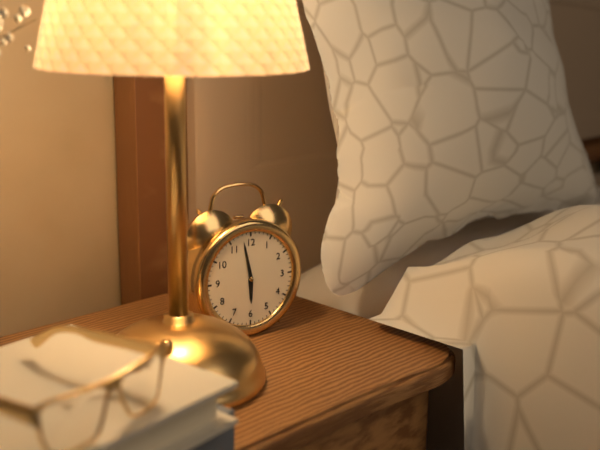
{"hour": 5, "minute": 58}
